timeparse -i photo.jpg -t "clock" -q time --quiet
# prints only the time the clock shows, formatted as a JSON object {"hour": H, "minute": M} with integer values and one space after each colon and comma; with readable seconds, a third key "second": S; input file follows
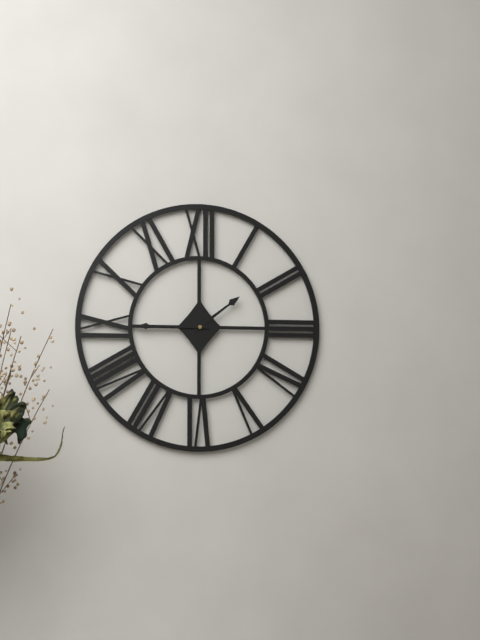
{"hour": 1, "minute": 45}
